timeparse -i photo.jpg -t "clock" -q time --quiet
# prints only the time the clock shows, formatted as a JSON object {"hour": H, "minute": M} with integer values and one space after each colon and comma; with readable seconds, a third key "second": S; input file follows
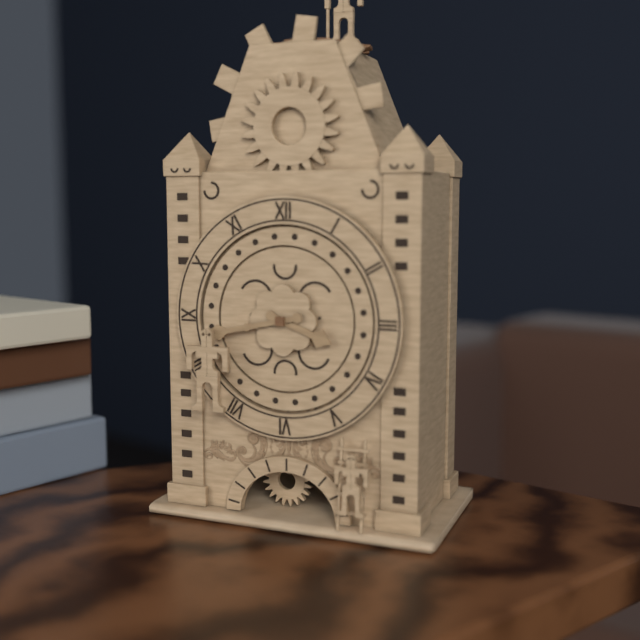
{"hour": 3, "minute": 43}
